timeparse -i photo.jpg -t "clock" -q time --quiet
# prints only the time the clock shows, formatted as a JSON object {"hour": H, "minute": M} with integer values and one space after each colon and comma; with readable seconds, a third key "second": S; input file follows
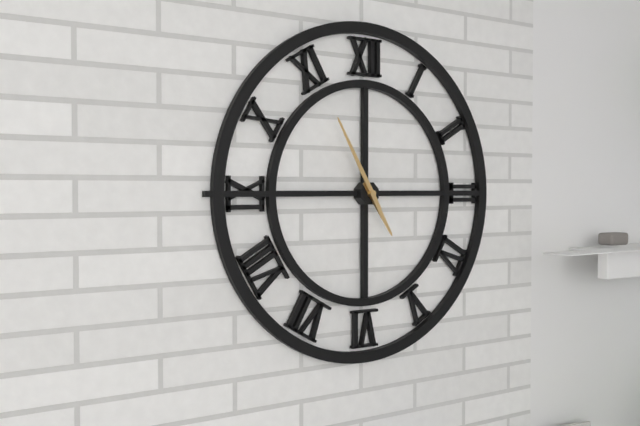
{"hour": 4, "minute": 55}
